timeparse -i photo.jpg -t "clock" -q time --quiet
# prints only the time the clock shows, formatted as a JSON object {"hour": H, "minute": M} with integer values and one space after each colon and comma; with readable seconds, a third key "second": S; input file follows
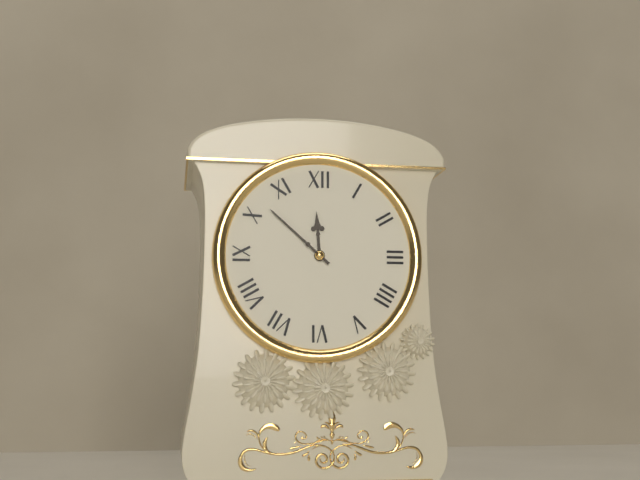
{"hour": 11, "minute": 52}
